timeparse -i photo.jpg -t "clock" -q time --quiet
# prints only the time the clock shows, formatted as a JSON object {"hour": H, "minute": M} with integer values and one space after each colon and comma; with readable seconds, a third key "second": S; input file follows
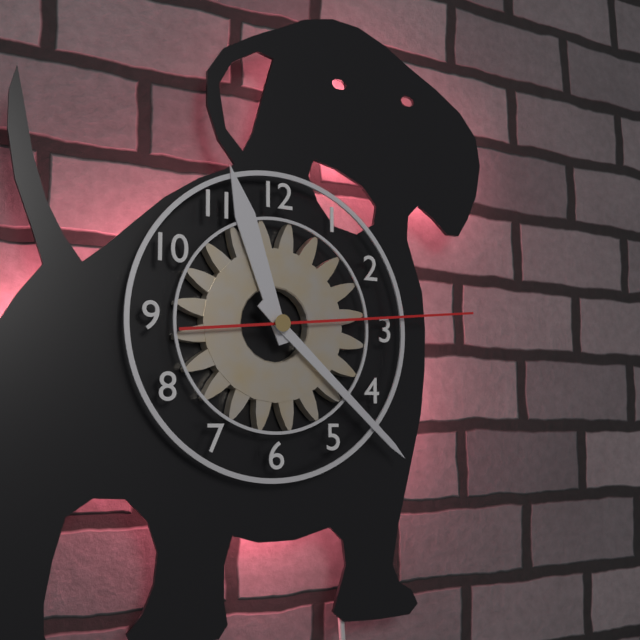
{"hour": 11, "minute": 22, "second": 14}
